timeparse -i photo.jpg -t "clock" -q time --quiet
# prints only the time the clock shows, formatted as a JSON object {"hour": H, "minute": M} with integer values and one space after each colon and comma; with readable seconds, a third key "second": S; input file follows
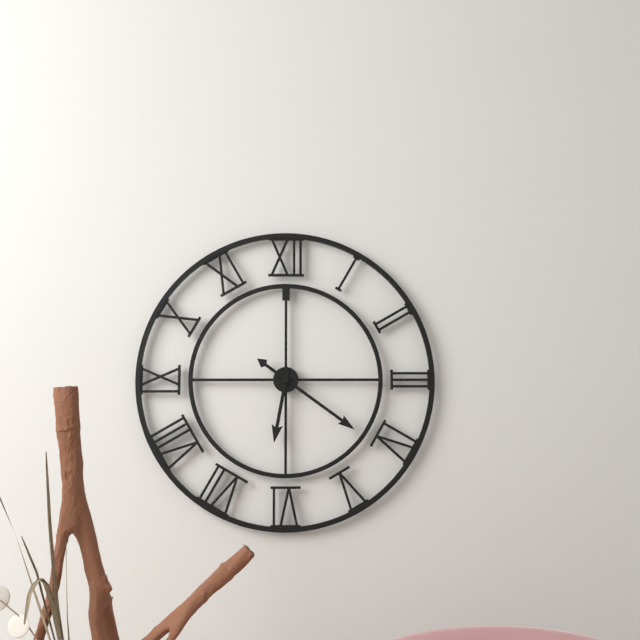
{"hour": 6, "minute": 21}
